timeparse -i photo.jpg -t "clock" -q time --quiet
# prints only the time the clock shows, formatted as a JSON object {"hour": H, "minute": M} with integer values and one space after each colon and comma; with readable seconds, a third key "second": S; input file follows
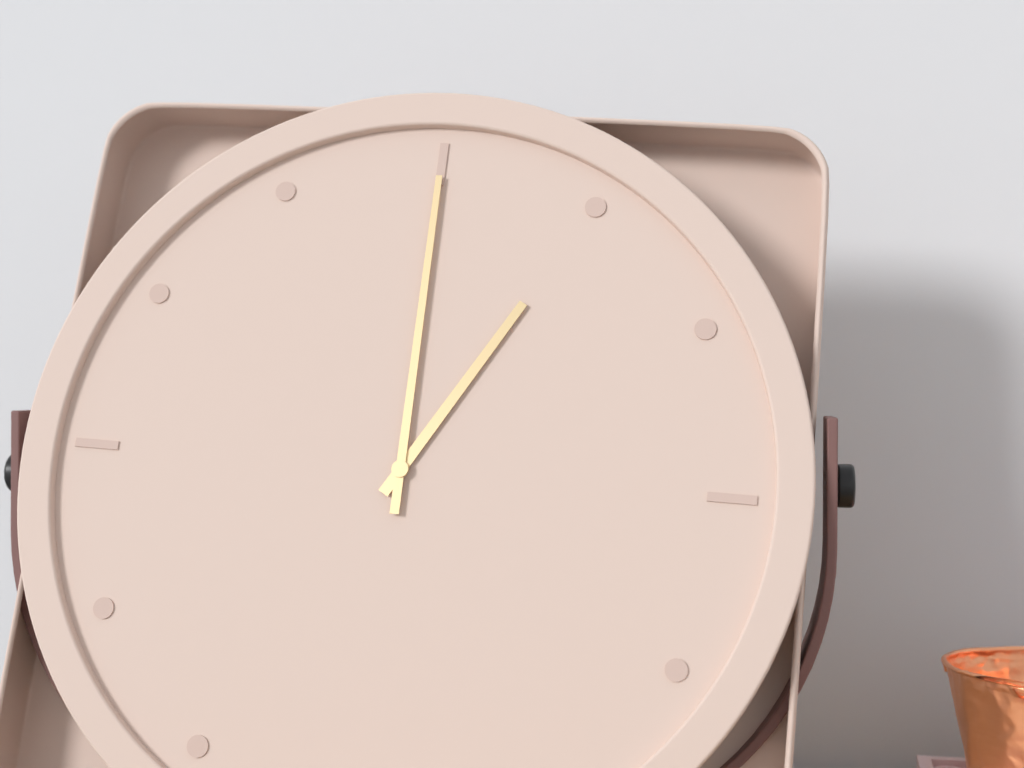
{"hour": 1, "minute": 0}
